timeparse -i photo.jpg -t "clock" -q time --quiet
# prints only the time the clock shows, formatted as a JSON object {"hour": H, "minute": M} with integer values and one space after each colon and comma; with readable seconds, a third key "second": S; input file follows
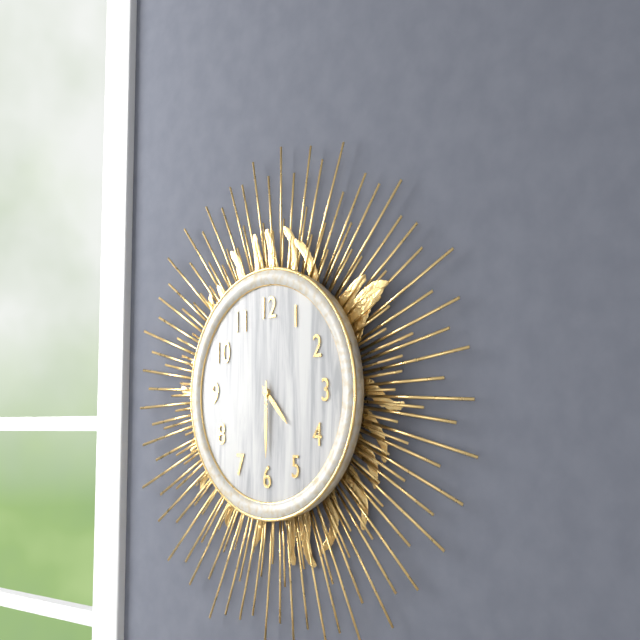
{"hour": 4, "minute": 30}
